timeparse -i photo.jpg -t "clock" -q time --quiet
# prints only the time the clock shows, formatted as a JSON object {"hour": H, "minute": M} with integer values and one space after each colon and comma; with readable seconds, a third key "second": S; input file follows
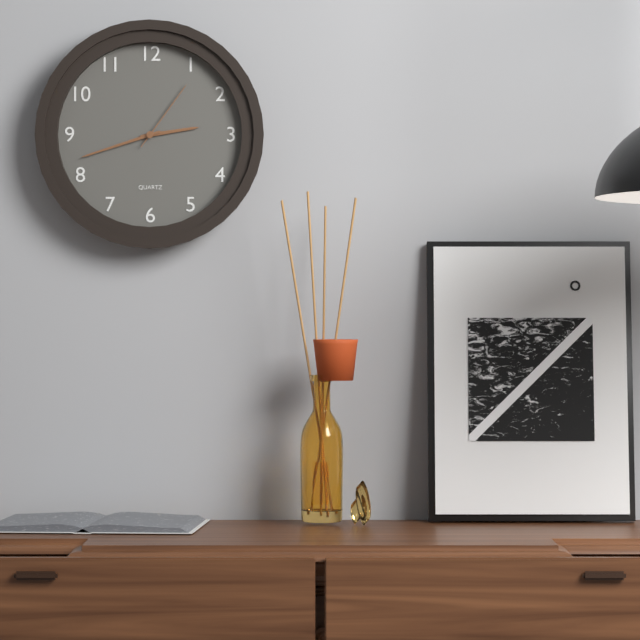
{"hour": 2, "minute": 42, "second": 6}
